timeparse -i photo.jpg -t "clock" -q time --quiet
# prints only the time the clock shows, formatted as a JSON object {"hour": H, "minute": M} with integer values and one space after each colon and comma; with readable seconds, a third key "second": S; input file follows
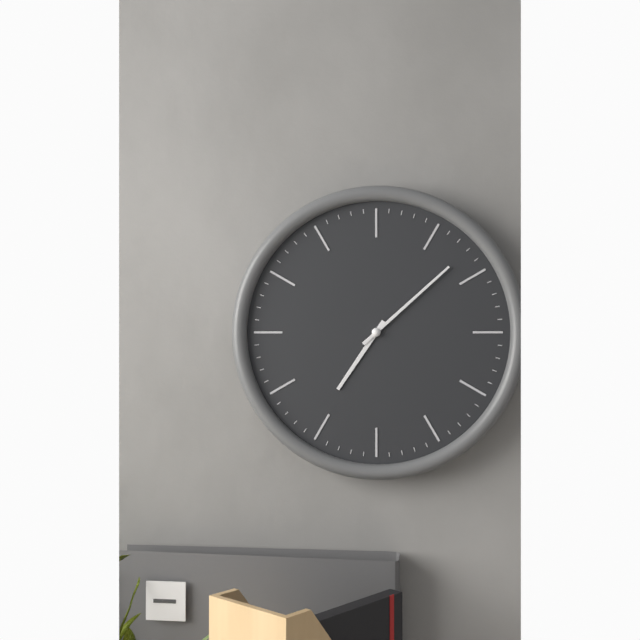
{"hour": 7, "minute": 8}
